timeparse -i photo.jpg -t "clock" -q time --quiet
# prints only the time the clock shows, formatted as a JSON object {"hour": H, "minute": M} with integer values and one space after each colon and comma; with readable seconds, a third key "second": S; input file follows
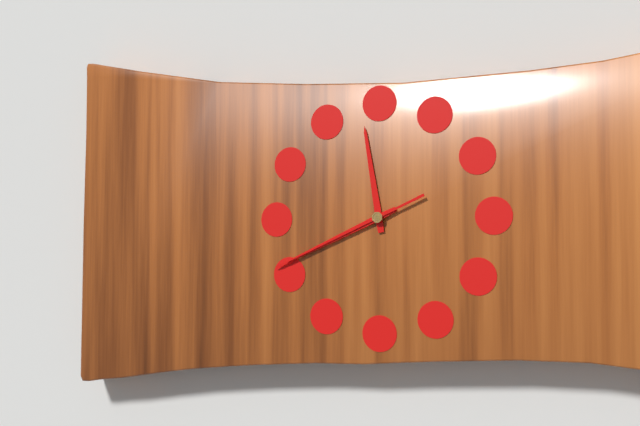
{"hour": 11, "minute": 41, "second": 41}
